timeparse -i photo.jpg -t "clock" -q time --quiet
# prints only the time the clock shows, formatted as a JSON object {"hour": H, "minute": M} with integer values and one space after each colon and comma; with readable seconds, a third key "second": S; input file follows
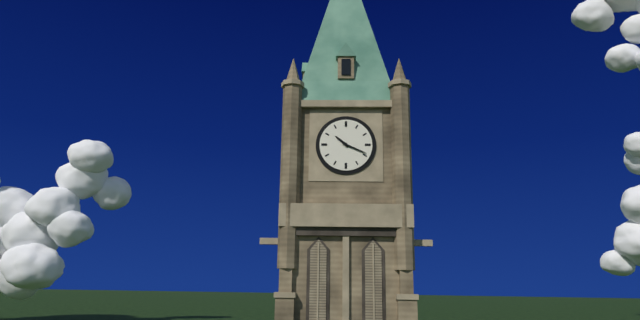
{"hour": 10, "minute": 19}
